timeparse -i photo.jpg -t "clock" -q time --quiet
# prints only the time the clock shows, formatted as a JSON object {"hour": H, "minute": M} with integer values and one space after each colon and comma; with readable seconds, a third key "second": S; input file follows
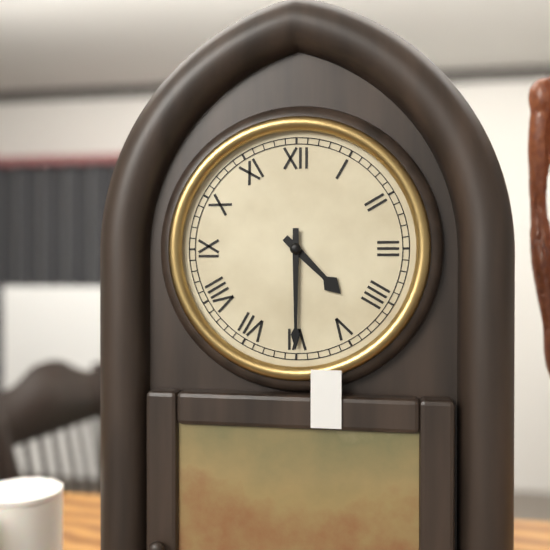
{"hour": 4, "minute": 30}
